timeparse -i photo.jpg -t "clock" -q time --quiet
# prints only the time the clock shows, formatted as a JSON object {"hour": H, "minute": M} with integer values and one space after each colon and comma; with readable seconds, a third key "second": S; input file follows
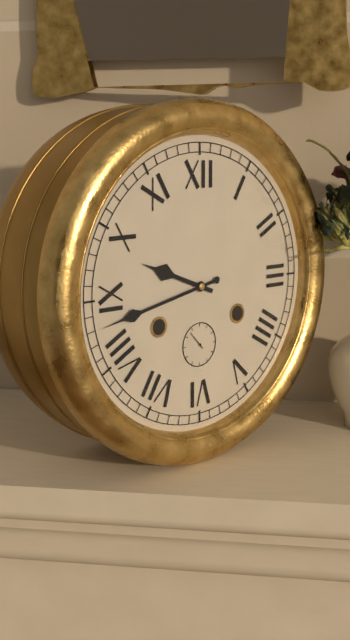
{"hour": 9, "minute": 43}
